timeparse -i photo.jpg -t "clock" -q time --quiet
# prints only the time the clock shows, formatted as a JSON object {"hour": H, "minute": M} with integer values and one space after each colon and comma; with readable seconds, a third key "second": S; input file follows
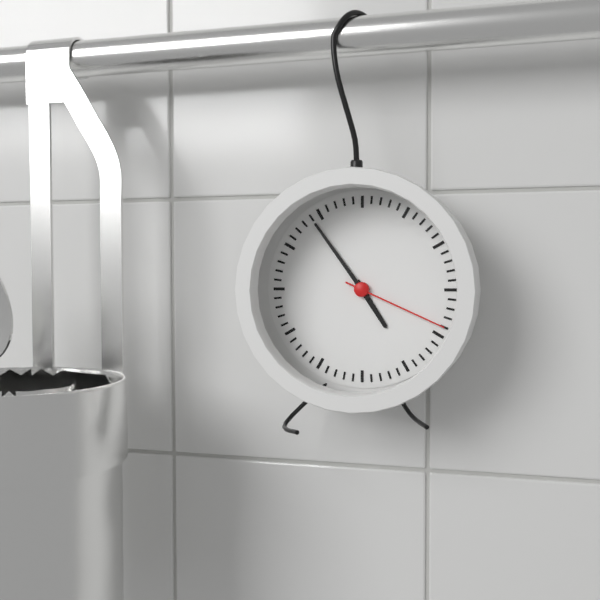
{"hour": 4, "minute": 54, "second": 19}
